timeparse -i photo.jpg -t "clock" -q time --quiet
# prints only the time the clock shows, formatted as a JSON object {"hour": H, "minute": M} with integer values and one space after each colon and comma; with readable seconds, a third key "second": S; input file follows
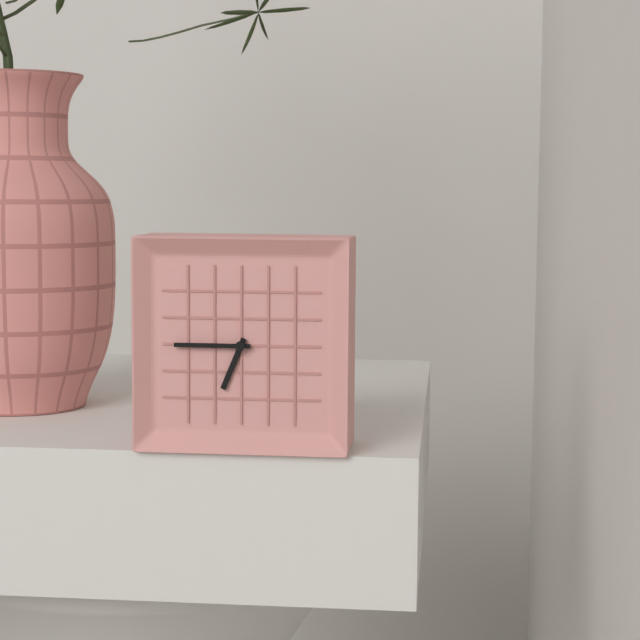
{"hour": 6, "minute": 45}
